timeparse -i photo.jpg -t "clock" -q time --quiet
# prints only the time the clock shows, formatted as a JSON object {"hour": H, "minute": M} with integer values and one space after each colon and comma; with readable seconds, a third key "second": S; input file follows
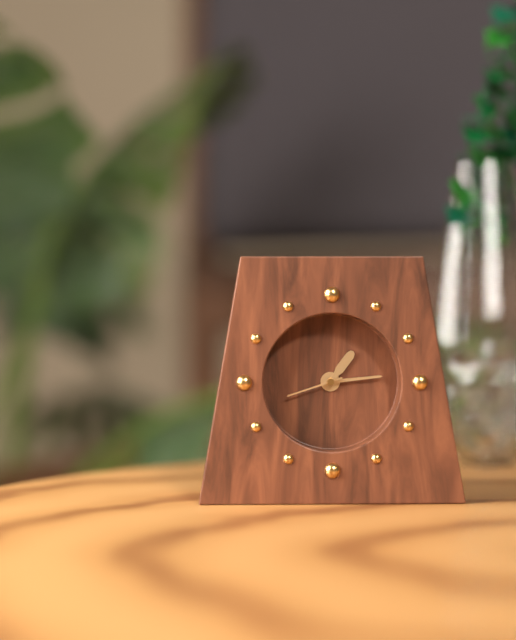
{"hour": 1, "minute": 14, "second": 42}
